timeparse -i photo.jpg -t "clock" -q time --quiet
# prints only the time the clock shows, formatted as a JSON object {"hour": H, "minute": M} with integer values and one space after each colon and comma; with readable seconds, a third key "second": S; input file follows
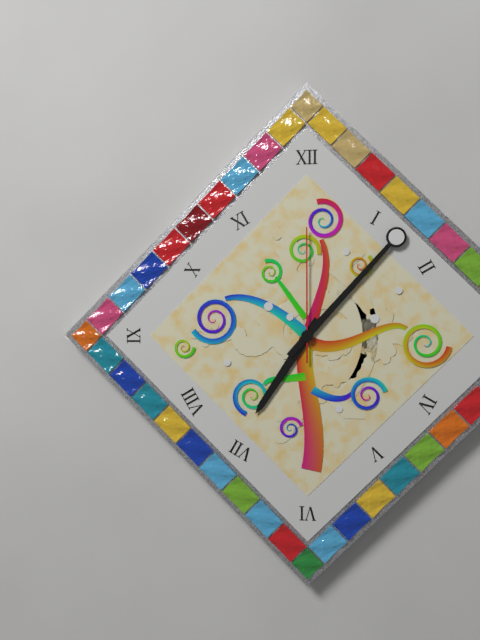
{"hour": 7, "minute": 7, "second": 0}
